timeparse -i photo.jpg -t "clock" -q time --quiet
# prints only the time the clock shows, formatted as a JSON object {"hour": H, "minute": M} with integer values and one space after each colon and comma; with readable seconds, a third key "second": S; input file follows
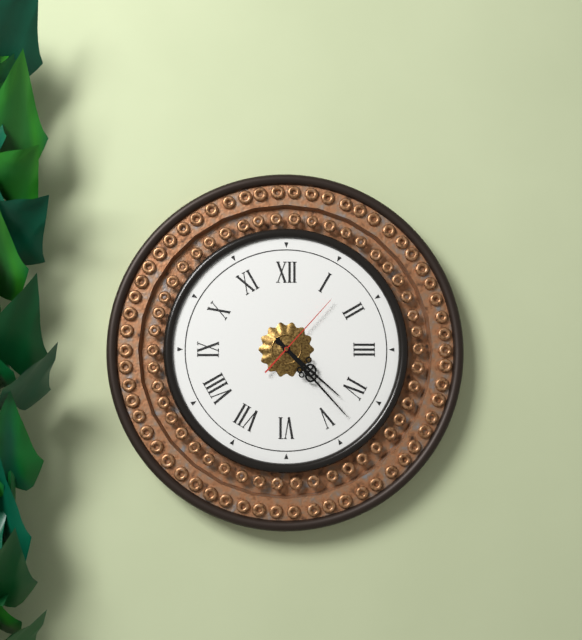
{"hour": 4, "minute": 23, "second": 7}
